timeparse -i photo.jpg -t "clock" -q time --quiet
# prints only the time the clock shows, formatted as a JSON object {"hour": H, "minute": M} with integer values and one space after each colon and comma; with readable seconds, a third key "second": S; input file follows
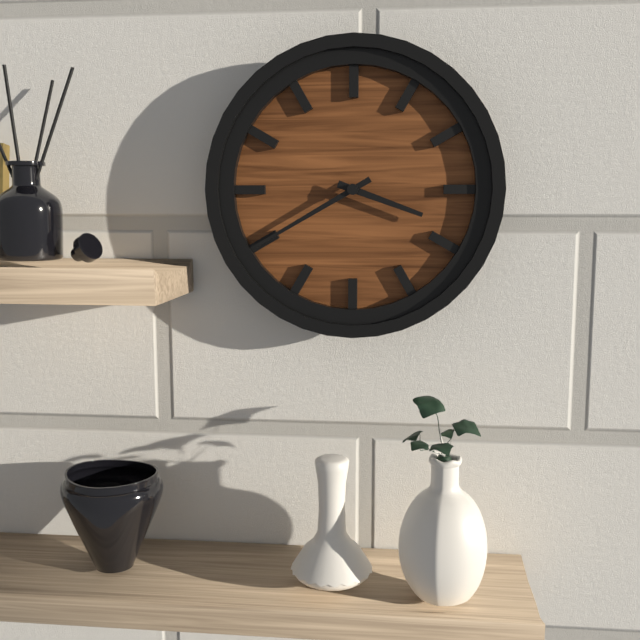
{"hour": 3, "minute": 40}
